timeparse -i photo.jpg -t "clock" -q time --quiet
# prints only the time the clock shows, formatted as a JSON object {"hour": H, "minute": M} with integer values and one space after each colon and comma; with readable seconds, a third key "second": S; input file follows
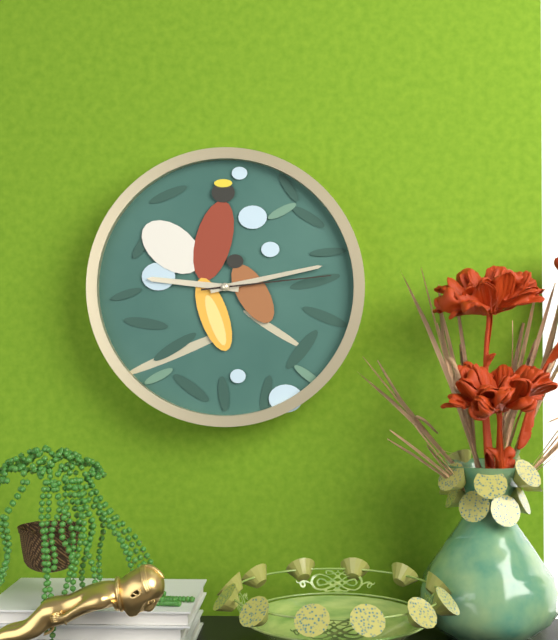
{"hour": 9, "minute": 13, "second": 14}
